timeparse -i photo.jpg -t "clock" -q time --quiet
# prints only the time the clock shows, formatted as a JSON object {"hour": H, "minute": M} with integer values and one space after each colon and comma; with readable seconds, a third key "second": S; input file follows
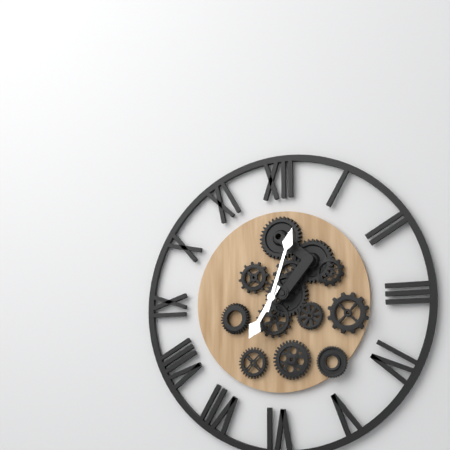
{"hour": 7, "minute": 3}
